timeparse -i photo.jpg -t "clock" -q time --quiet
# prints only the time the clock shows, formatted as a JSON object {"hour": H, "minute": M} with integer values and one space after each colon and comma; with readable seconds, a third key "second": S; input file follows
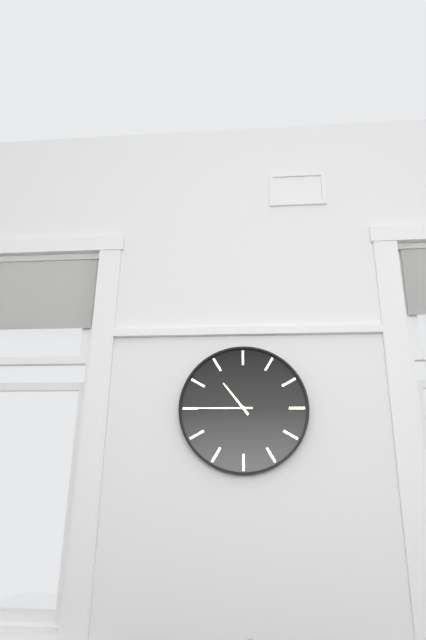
{"hour": 10, "minute": 45}
